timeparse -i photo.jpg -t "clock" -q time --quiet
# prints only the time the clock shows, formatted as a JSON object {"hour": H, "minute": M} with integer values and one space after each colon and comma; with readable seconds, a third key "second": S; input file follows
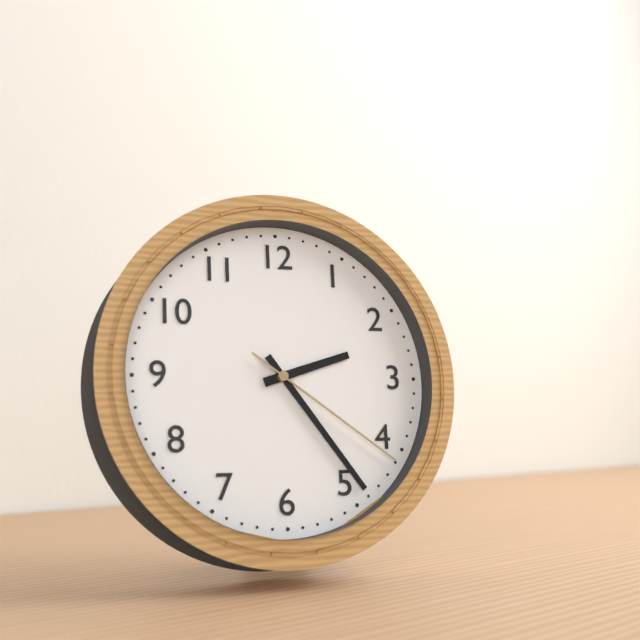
{"hour": 2, "minute": 24, "second": 21}
